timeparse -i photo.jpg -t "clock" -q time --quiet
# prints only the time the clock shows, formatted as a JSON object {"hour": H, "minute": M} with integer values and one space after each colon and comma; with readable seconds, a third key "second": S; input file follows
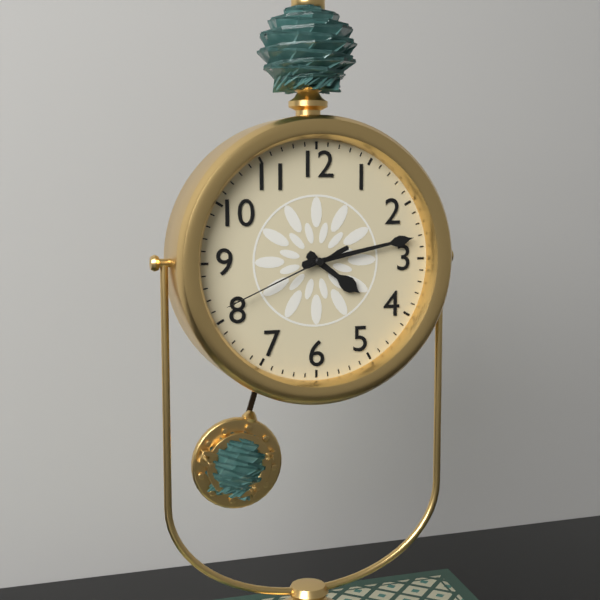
{"hour": 4, "minute": 13, "second": 41}
